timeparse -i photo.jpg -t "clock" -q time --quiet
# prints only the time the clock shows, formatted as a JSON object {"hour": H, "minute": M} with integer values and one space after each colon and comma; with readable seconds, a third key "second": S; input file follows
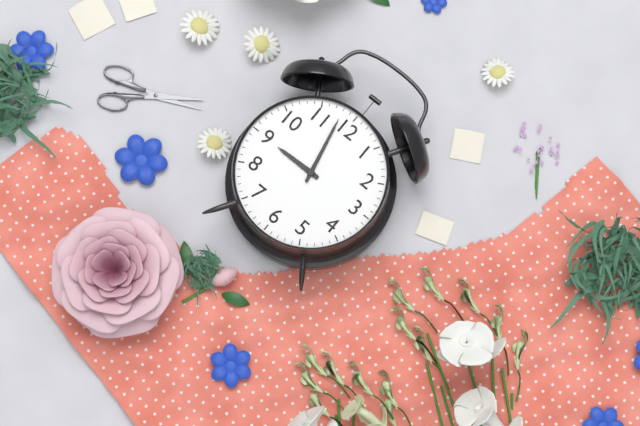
{"hour": 8, "minute": 58}
